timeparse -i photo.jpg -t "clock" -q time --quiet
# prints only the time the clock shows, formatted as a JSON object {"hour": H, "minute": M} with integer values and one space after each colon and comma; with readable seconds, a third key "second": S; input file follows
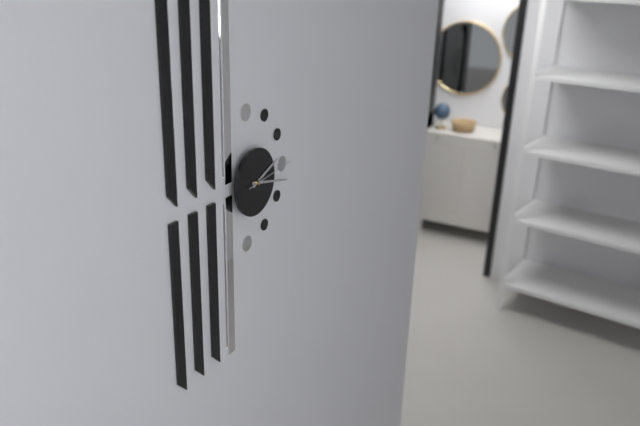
{"hour": 2, "minute": 17}
